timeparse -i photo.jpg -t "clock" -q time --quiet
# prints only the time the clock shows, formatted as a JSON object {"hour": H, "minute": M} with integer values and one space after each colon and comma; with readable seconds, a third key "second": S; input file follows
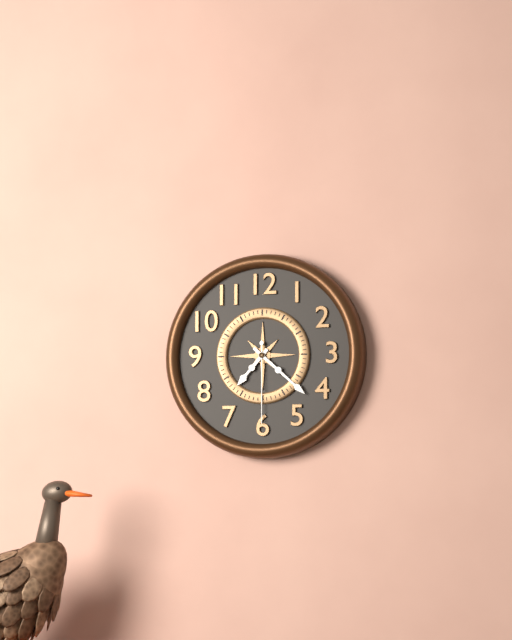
{"hour": 7, "minute": 22, "second": 30}
